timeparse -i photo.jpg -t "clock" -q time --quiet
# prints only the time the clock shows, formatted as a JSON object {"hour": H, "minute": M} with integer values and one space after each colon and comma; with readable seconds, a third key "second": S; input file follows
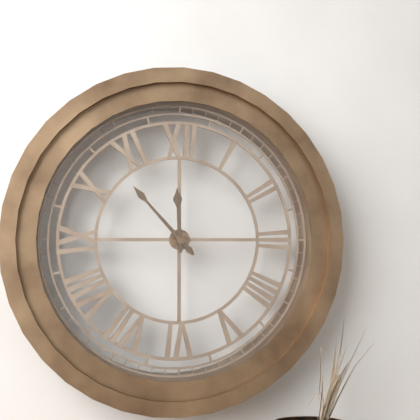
{"hour": 11, "minute": 53}
